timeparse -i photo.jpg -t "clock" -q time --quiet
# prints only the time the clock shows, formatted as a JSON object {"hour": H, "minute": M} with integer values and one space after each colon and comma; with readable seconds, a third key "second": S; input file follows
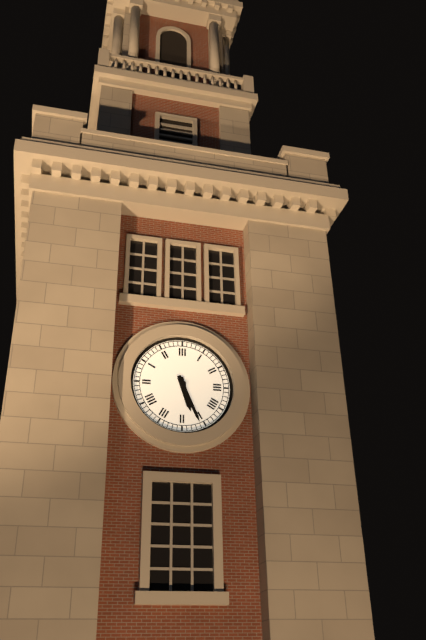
{"hour": 5, "minute": 26}
